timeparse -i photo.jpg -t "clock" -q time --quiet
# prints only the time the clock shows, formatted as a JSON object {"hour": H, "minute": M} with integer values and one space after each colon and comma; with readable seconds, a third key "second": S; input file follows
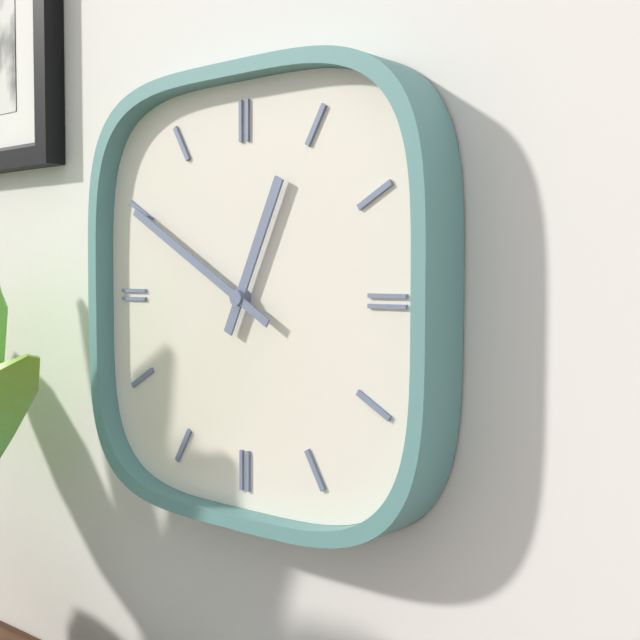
{"hour": 12, "minute": 50}
